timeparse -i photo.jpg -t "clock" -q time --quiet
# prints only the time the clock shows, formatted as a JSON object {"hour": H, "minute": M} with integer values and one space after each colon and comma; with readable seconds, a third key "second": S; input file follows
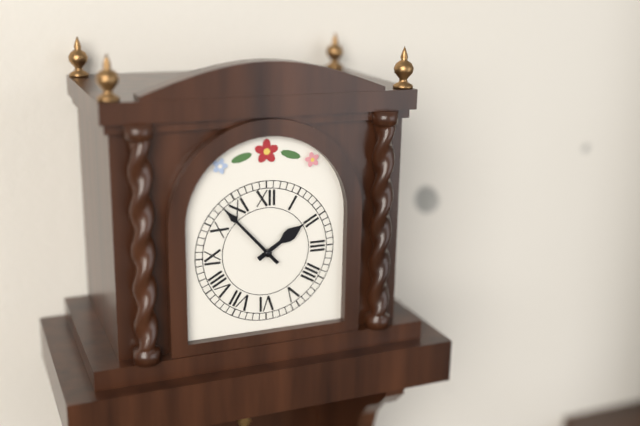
{"hour": 1, "minute": 53}
